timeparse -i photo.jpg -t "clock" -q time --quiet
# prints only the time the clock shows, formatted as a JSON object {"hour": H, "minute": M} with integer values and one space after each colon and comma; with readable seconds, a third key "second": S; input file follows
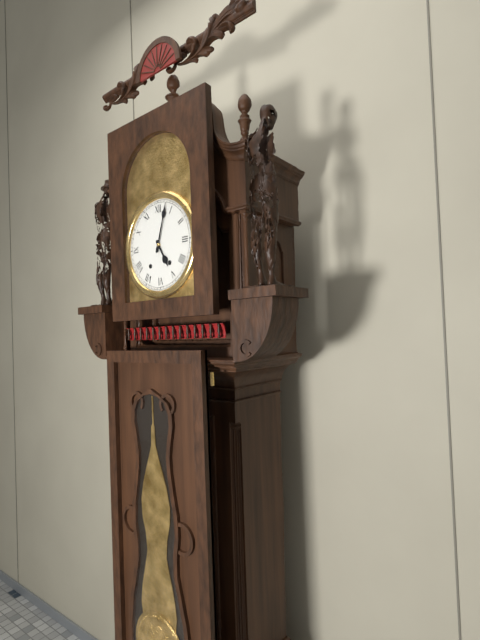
{"hour": 5, "minute": 3}
